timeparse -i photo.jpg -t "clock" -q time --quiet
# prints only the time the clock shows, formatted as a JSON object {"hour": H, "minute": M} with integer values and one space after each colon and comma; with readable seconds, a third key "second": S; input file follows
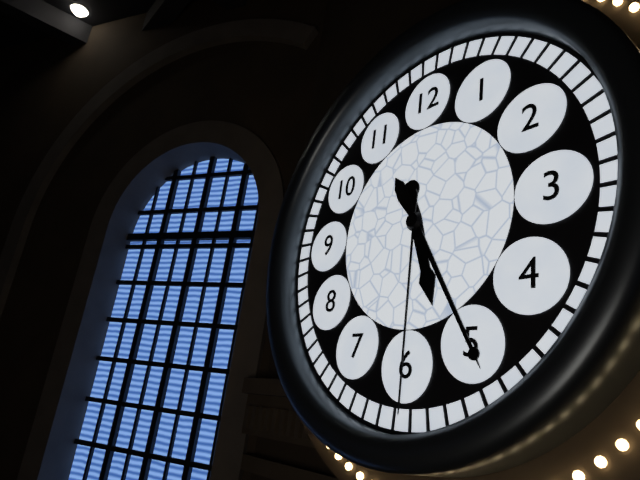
{"hour": 5, "minute": 25, "second": 30}
